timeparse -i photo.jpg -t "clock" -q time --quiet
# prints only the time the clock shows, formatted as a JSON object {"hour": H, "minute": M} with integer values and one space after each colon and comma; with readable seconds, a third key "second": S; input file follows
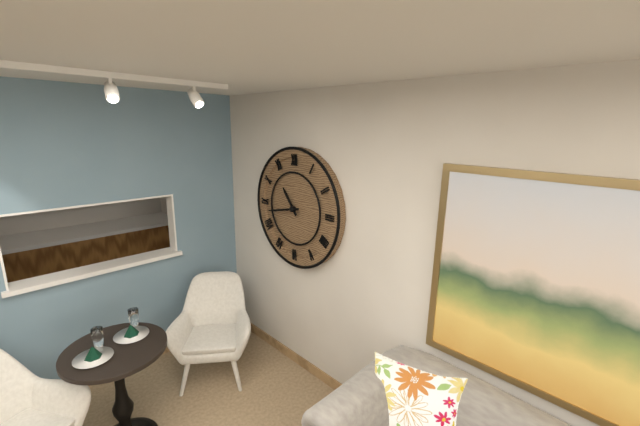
{"hour": 10, "minute": 43}
